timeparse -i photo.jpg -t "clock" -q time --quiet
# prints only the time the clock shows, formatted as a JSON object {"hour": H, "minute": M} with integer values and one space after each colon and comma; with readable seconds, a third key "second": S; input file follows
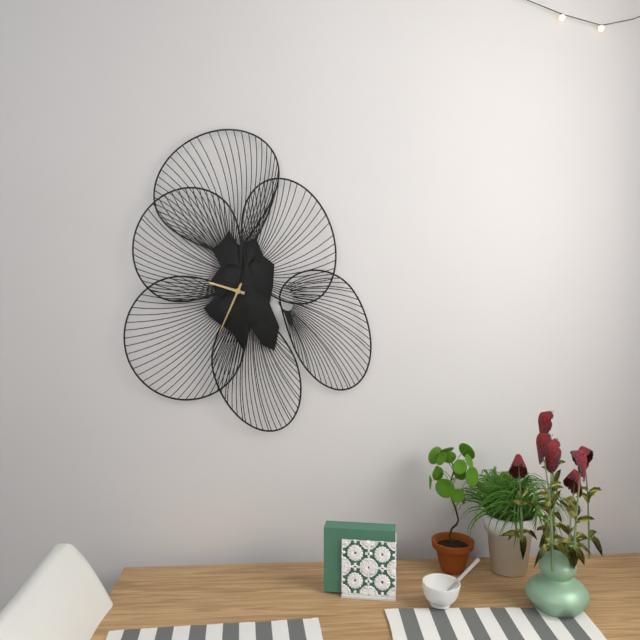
{"hour": 9, "minute": 34}
